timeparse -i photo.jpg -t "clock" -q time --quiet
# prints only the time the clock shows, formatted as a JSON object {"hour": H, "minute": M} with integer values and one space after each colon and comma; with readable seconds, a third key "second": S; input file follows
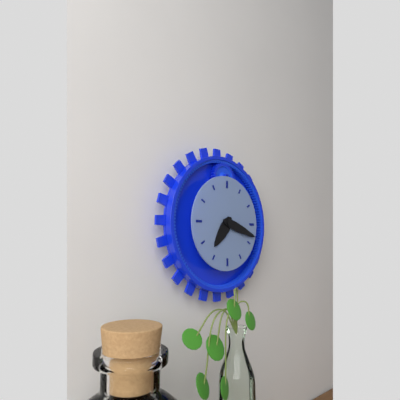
{"hour": 7, "minute": 18}
